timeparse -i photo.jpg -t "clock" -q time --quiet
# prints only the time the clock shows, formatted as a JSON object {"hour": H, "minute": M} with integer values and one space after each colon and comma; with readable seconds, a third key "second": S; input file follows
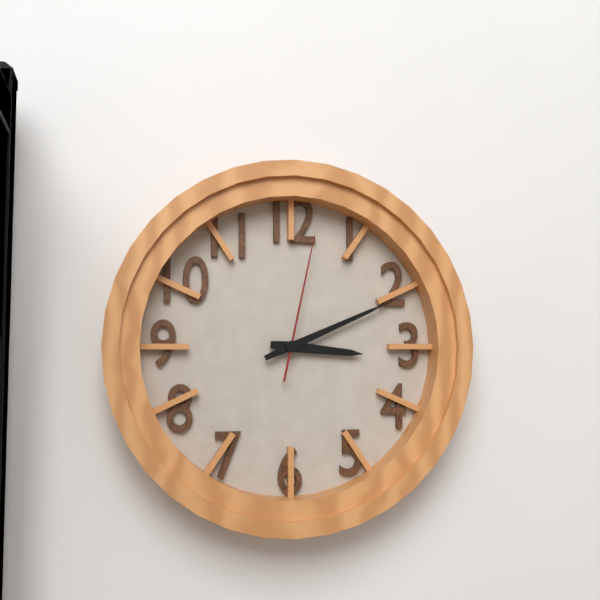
{"hour": 3, "minute": 11, "second": 2}
